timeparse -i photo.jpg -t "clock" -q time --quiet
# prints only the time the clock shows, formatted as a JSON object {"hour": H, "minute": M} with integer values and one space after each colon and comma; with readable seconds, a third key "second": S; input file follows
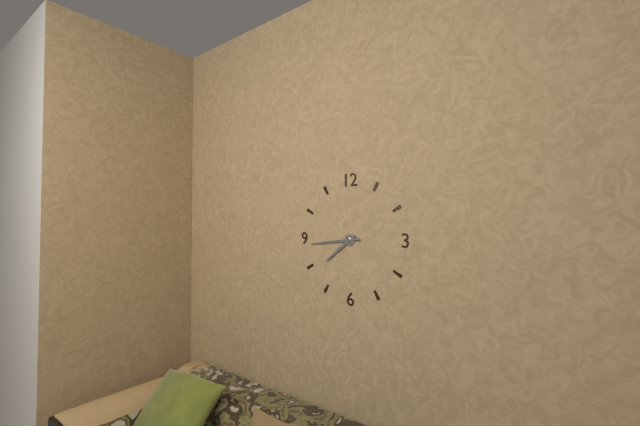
{"hour": 7, "minute": 44}
